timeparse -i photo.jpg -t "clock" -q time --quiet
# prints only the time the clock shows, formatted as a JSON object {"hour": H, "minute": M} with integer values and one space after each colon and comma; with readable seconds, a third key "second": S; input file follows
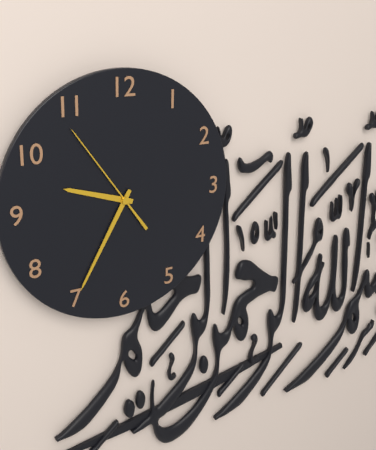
{"hour": 9, "minute": 35, "second": 54}
